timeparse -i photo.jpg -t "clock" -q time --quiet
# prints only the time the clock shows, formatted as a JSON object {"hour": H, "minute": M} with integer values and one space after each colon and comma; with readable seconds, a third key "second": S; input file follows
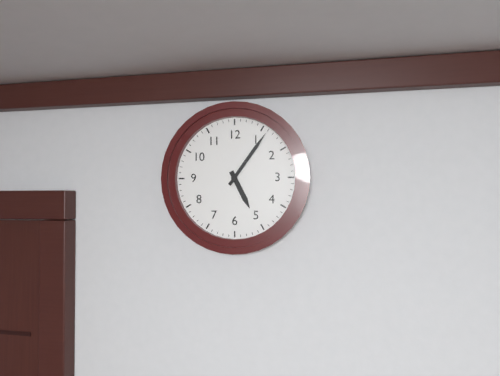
{"hour": 5, "minute": 6}
